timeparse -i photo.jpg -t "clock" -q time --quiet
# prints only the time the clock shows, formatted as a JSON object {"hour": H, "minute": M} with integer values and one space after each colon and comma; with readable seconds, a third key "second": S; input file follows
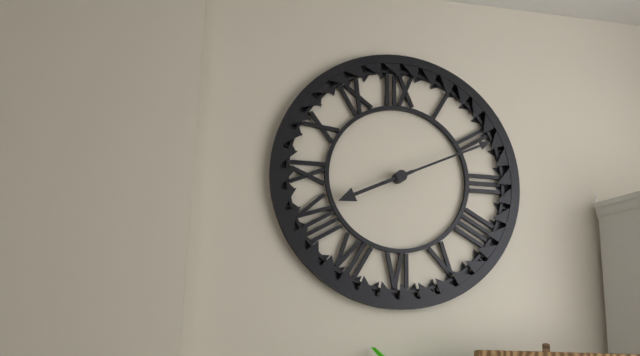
{"hour": 8, "minute": 11}
